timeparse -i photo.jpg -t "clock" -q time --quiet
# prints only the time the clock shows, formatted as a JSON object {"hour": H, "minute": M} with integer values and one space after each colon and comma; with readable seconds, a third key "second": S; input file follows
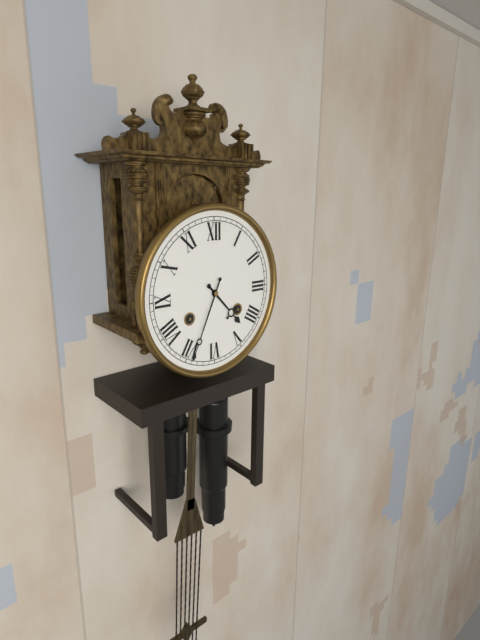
{"hour": 4, "minute": 34}
